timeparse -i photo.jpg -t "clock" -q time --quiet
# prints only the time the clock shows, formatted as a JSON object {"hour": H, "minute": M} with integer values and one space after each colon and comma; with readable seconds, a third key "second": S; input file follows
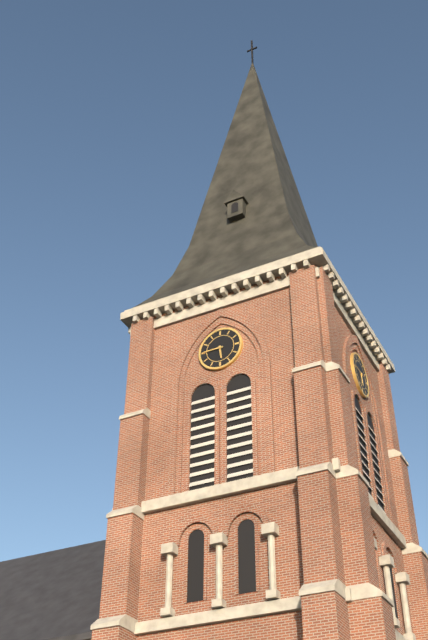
{"hour": 5, "minute": 45}
